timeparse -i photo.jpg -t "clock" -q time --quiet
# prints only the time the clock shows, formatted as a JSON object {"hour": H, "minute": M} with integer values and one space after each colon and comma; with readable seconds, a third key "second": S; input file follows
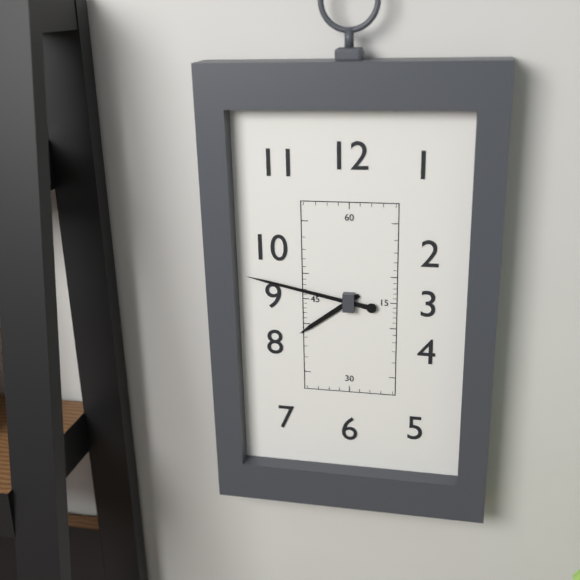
{"hour": 7, "minute": 47}
